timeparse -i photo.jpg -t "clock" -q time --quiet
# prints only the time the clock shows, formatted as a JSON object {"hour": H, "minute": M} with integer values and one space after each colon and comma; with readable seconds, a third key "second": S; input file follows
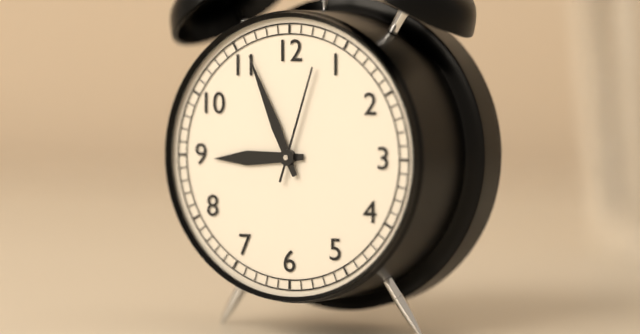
{"hour": 8, "minute": 56, "second": 3}
